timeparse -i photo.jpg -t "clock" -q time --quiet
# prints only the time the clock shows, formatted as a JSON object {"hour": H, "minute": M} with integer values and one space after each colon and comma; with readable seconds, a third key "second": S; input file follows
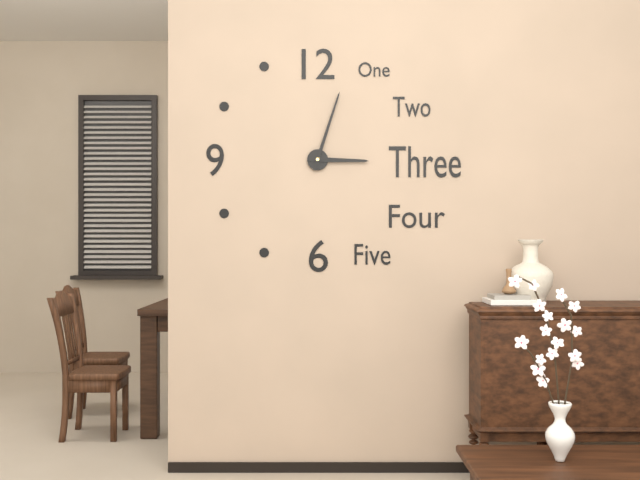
{"hour": 3, "minute": 3}
